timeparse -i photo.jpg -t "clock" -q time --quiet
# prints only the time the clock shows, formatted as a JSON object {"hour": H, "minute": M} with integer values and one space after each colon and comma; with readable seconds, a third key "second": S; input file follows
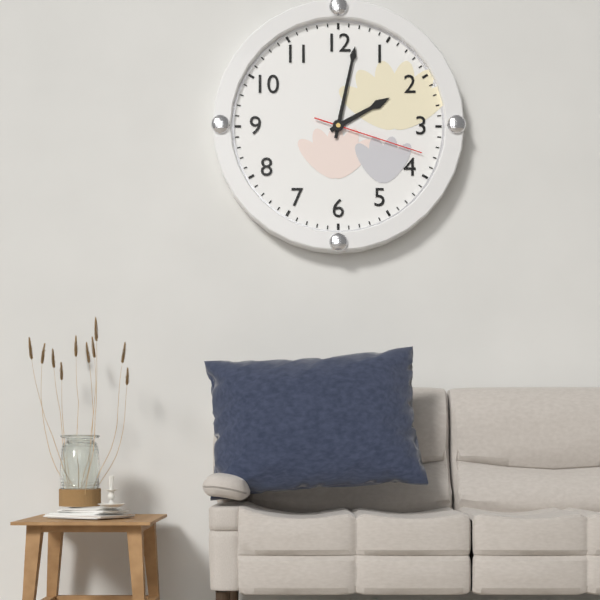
{"hour": 2, "minute": 2, "second": 18}
